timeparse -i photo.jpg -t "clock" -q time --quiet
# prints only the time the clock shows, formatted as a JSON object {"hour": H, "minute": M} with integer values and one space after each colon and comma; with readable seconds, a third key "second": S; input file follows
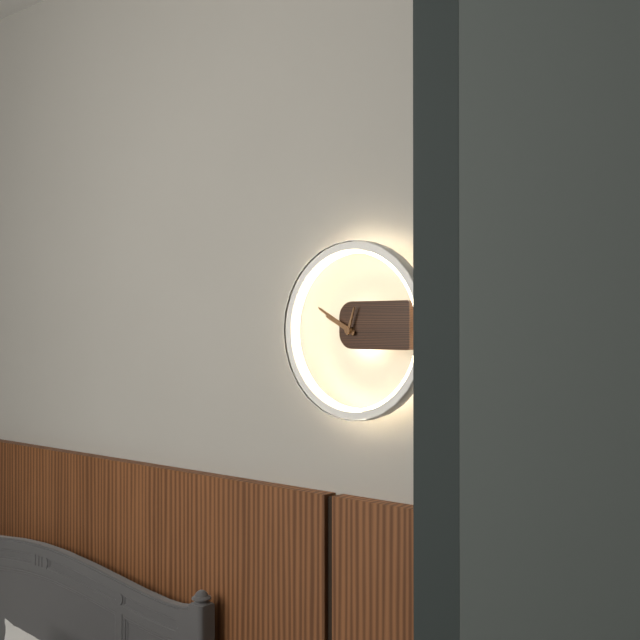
{"hour": 9, "minute": 50}
